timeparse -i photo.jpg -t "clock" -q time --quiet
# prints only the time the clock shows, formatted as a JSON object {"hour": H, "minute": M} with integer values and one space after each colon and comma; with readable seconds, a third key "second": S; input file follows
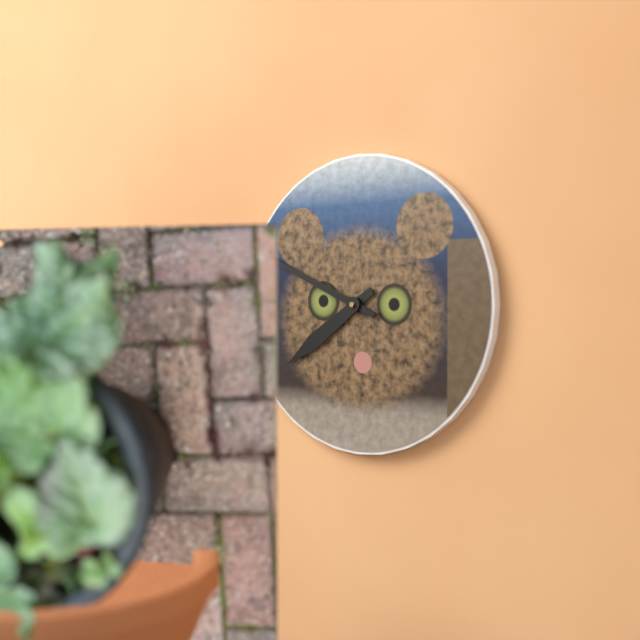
{"hour": 7, "minute": 49}
